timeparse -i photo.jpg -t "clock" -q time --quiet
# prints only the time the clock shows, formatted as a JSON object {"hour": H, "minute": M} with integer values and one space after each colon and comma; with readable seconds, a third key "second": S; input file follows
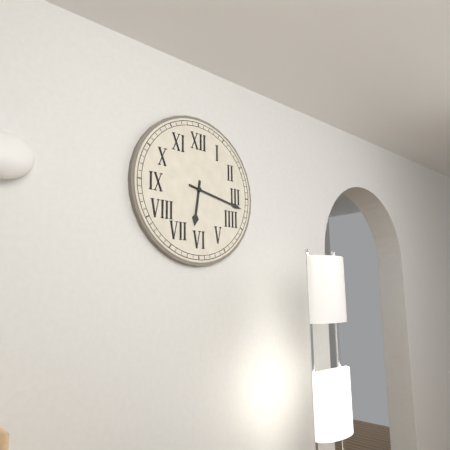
{"hour": 6, "minute": 17}
